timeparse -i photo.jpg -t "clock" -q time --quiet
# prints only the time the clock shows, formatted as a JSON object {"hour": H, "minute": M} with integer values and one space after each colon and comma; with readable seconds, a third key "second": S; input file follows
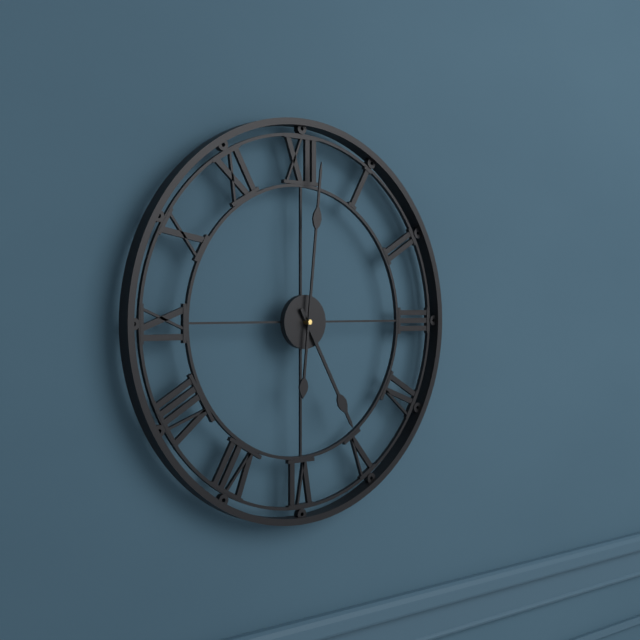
{"hour": 5, "minute": 1}
